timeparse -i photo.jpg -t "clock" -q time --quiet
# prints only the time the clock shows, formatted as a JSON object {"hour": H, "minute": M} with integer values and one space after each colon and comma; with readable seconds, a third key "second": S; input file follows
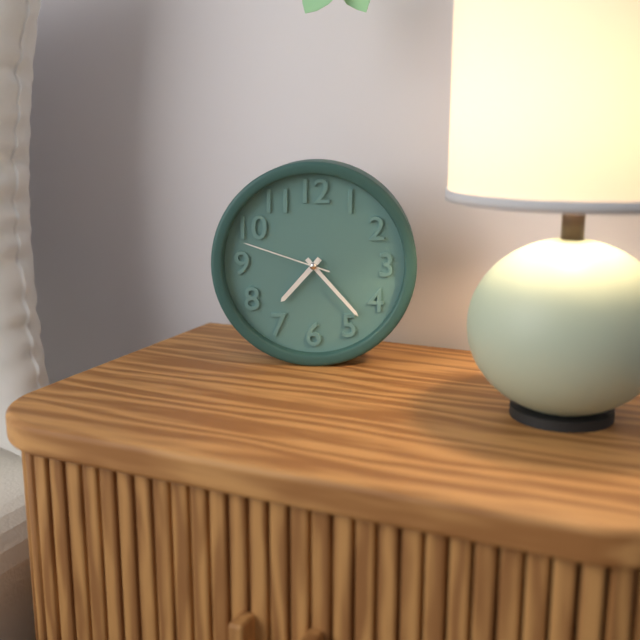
{"hour": 7, "minute": 23, "second": 48}
